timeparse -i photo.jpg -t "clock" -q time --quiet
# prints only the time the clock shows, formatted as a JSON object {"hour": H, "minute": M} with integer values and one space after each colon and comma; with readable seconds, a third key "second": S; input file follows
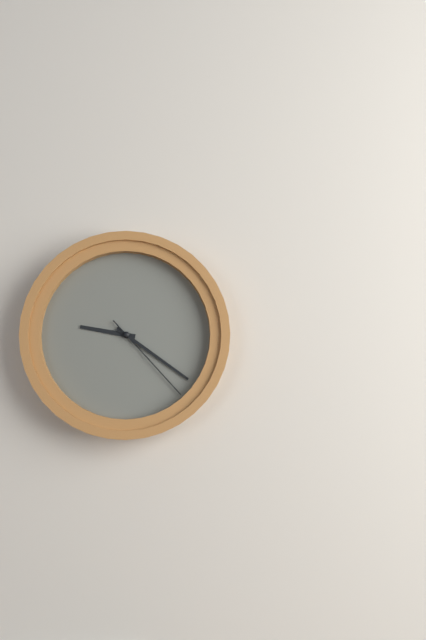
{"hour": 9, "minute": 21, "second": 23}
